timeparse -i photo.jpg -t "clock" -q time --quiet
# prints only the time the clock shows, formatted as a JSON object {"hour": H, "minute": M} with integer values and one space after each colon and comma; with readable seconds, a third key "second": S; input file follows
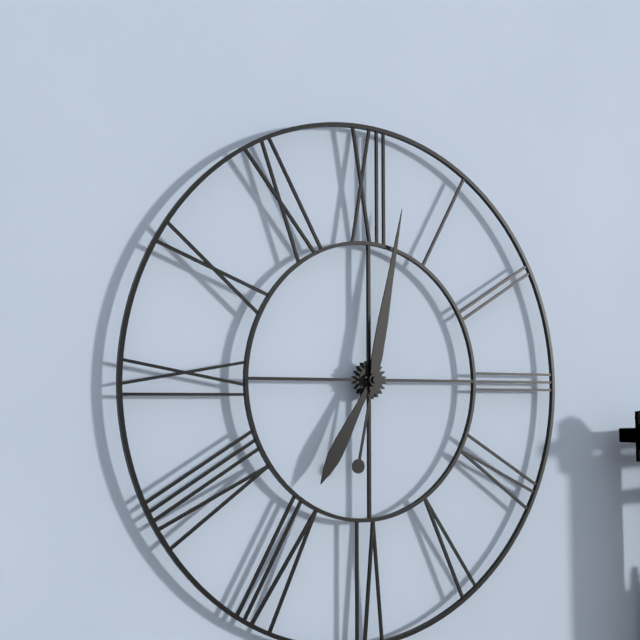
{"hour": 7, "minute": 2}
